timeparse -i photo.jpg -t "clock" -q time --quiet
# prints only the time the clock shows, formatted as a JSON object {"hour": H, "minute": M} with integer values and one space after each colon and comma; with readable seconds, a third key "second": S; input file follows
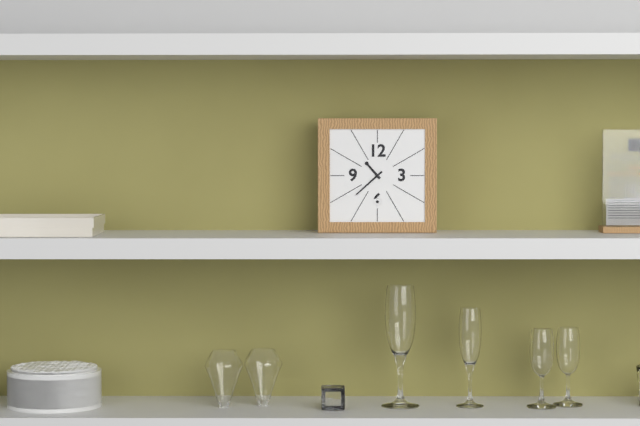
{"hour": 10, "minute": 38}
